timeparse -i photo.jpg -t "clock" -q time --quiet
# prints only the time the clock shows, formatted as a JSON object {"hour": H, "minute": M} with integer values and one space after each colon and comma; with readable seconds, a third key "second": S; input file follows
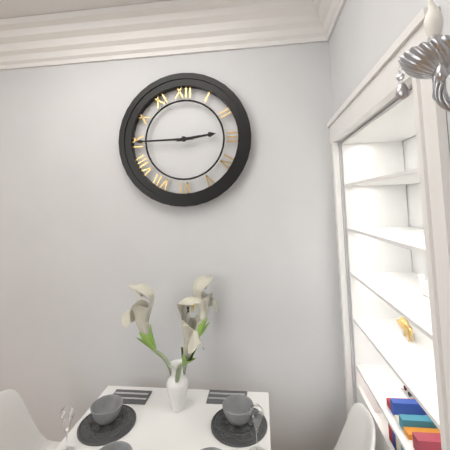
{"hour": 2, "minute": 45}
